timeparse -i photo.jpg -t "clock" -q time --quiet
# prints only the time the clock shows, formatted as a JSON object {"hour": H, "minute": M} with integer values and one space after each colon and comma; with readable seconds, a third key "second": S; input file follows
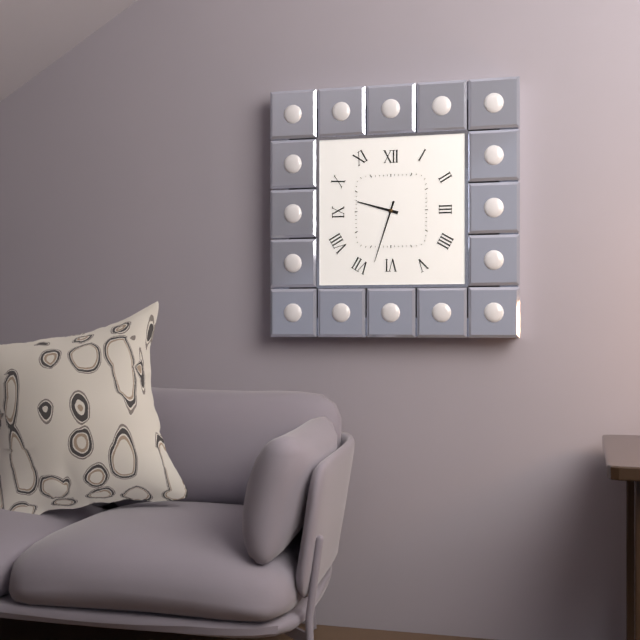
{"hour": 9, "minute": 33}
